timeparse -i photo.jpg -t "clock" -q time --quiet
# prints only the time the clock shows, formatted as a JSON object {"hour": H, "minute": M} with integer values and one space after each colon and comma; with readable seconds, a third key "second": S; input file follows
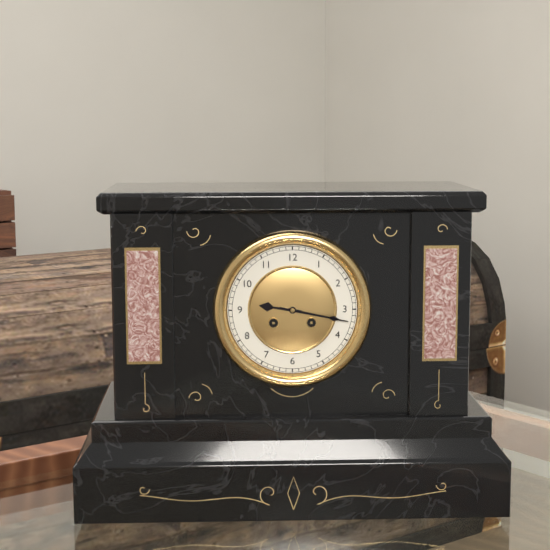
{"hour": 9, "minute": 17}
